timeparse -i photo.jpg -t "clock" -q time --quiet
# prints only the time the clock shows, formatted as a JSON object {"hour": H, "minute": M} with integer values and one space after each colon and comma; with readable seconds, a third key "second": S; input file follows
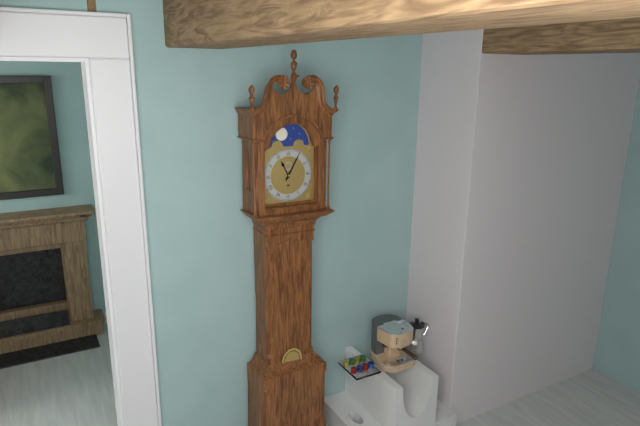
{"hour": 11, "minute": 5}
